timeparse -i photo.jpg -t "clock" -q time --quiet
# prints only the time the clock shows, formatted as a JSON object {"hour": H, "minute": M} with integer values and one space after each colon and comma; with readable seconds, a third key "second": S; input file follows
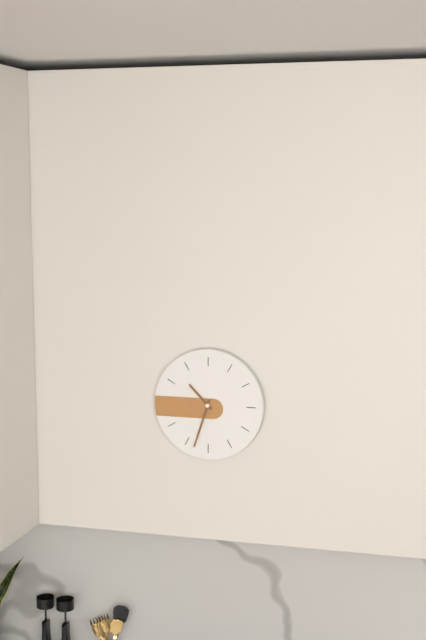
{"hour": 10, "minute": 33}
